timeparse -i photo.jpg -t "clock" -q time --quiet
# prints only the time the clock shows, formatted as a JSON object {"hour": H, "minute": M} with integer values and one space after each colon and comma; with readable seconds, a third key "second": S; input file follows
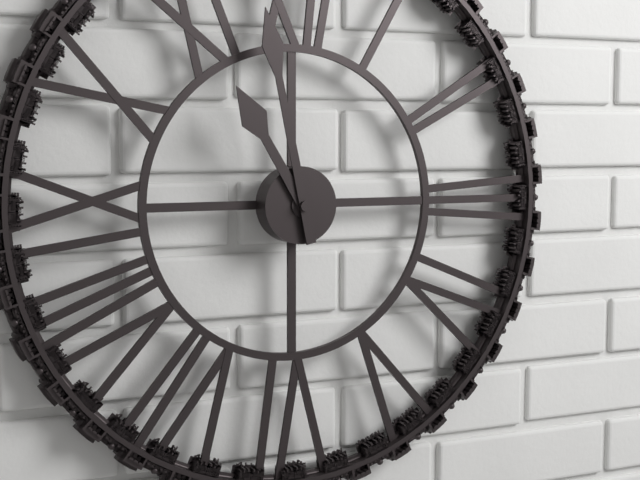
{"hour": 10, "minute": 58}
